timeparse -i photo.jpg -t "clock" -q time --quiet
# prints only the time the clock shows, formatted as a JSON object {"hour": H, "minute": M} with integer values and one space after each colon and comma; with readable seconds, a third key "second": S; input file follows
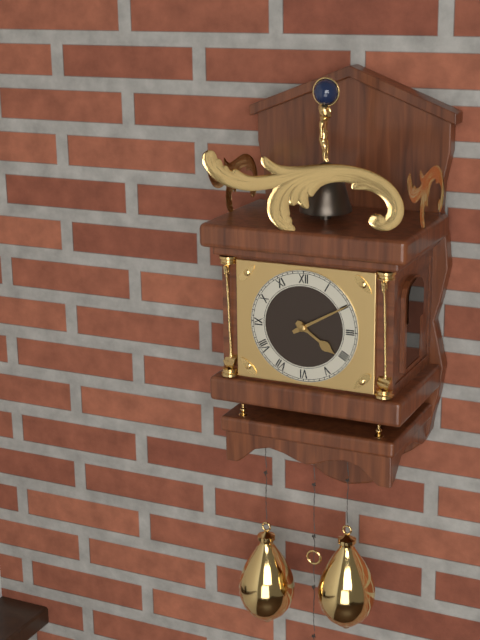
{"hour": 4, "minute": 10}
